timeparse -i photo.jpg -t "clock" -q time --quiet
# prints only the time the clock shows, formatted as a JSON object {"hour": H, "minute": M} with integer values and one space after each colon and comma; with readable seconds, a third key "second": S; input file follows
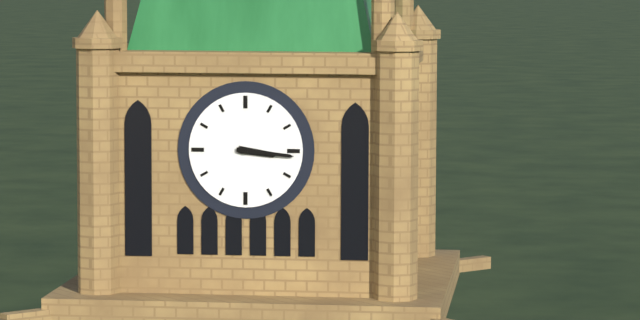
{"hour": 3, "minute": 16}
